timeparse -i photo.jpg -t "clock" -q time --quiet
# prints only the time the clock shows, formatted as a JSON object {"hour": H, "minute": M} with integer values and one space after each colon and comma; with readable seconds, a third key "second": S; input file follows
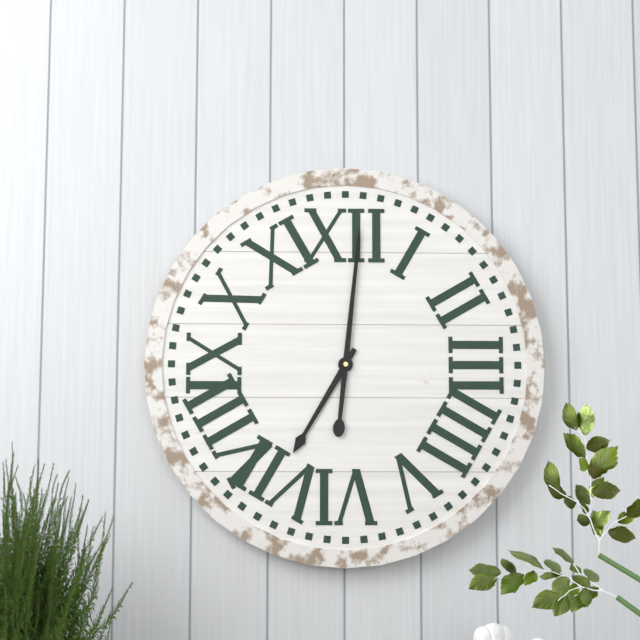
{"hour": 7, "minute": 1}
